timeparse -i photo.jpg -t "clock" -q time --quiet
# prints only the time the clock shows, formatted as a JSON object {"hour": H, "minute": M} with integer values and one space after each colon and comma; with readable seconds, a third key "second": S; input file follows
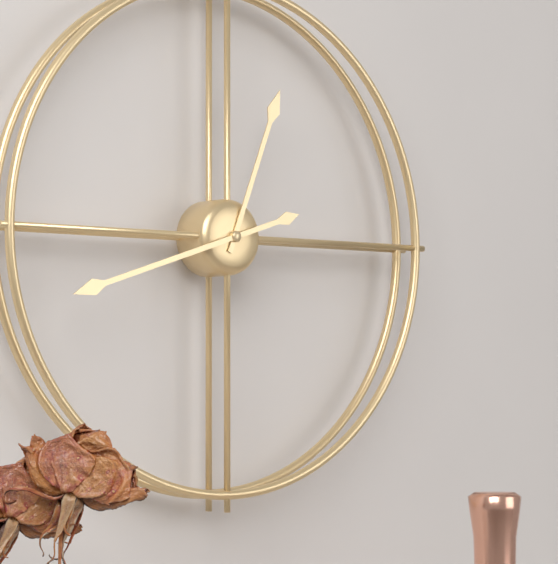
{"hour": 12, "minute": 42}
